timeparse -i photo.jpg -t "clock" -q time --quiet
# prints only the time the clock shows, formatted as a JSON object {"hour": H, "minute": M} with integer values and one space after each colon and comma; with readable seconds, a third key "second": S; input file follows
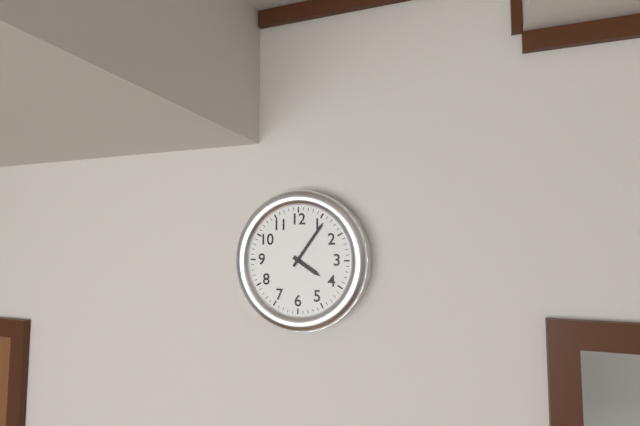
{"hour": 4, "minute": 6}
